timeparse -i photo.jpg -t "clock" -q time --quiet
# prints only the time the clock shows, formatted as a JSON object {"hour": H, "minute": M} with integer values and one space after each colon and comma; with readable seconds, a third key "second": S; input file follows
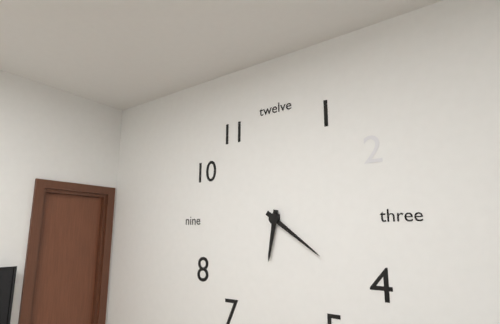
{"hour": 6, "minute": 21}
